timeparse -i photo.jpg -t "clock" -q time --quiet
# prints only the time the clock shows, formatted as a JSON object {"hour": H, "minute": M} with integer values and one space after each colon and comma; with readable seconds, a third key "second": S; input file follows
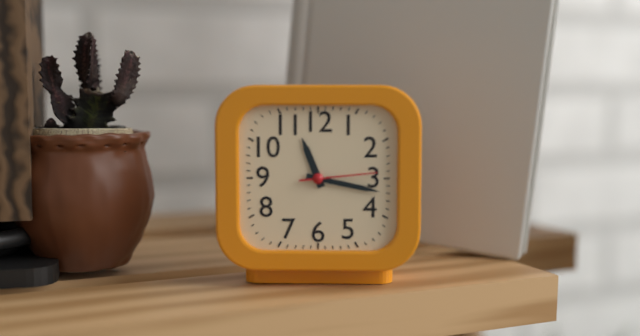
{"hour": 11, "minute": 17, "second": 14}
